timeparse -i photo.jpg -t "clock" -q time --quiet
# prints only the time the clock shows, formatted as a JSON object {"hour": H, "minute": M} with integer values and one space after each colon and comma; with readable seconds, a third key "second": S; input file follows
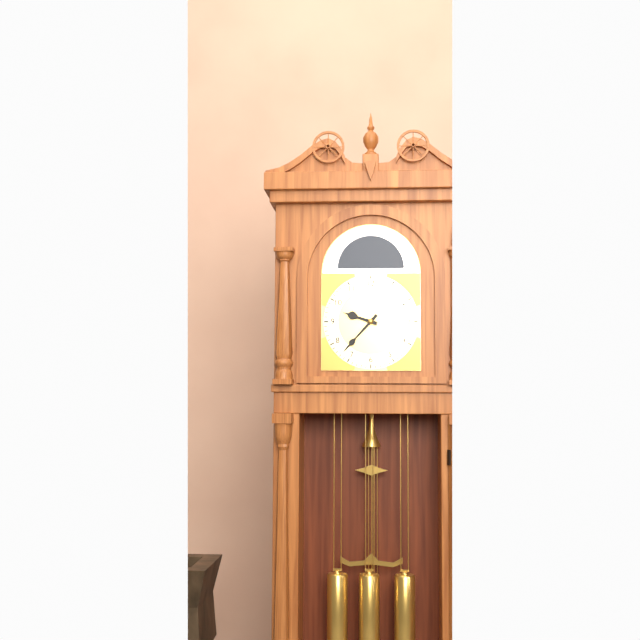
{"hour": 9, "minute": 37}
